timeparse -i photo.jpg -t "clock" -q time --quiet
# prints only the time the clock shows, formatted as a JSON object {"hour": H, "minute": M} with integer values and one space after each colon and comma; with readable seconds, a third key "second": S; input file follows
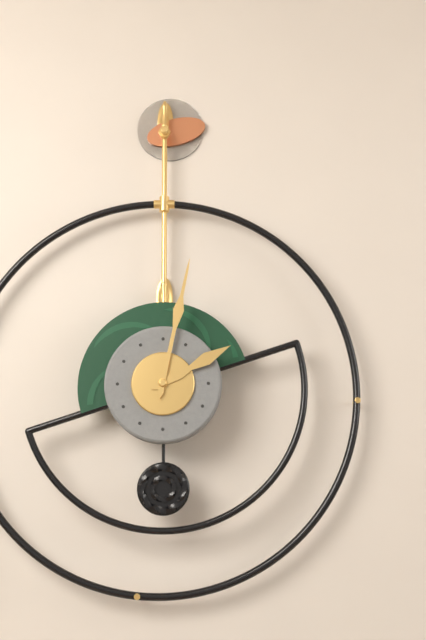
{"hour": 2, "minute": 2}
